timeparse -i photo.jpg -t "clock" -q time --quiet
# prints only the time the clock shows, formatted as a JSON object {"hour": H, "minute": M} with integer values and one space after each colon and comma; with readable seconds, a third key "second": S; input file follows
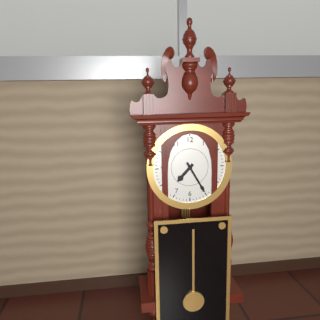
{"hour": 7, "minute": 25}
